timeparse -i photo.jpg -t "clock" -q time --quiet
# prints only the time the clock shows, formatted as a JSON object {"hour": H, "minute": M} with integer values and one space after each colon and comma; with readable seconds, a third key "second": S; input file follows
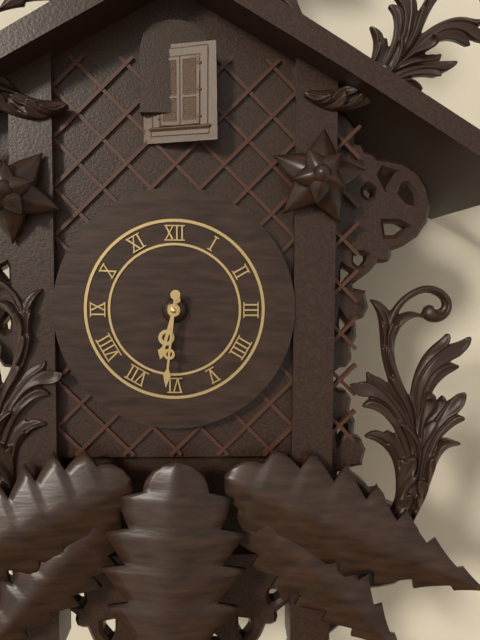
{"hour": 6, "minute": 31}
